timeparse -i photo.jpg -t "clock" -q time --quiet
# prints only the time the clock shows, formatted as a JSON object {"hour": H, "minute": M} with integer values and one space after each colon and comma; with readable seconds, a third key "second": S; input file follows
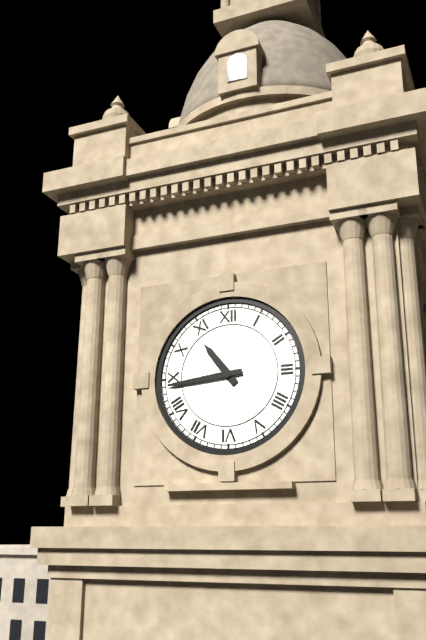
{"hour": 10, "minute": 44}
